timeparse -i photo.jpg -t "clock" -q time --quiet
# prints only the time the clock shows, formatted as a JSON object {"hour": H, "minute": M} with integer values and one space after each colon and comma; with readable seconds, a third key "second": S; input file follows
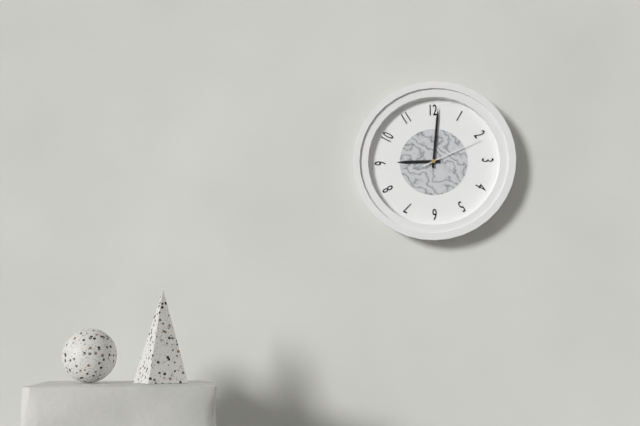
{"hour": 9, "minute": 1, "second": 11}
